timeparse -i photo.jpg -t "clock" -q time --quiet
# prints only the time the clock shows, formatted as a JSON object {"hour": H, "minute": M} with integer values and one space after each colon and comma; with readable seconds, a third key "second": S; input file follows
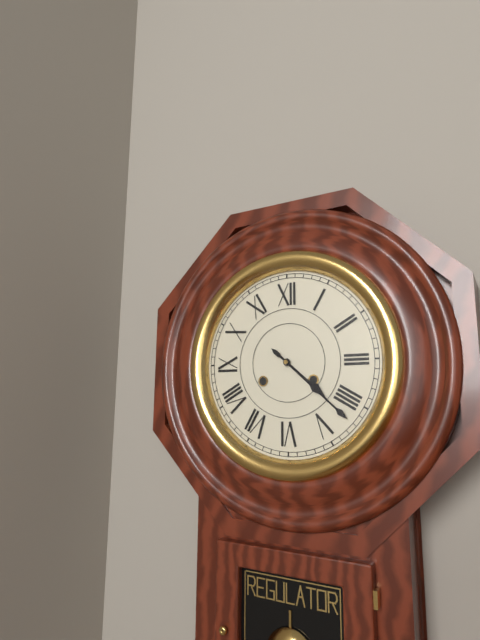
{"hour": 4, "minute": 22}
